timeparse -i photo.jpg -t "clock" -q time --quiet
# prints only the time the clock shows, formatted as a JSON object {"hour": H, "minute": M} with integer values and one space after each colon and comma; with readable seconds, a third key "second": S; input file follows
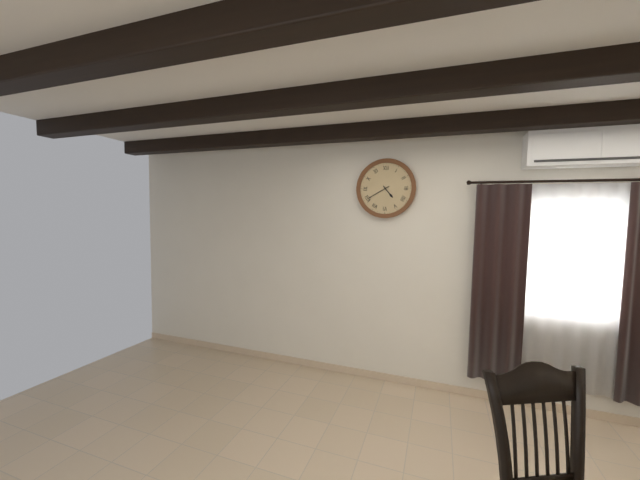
{"hour": 4, "minute": 40}
